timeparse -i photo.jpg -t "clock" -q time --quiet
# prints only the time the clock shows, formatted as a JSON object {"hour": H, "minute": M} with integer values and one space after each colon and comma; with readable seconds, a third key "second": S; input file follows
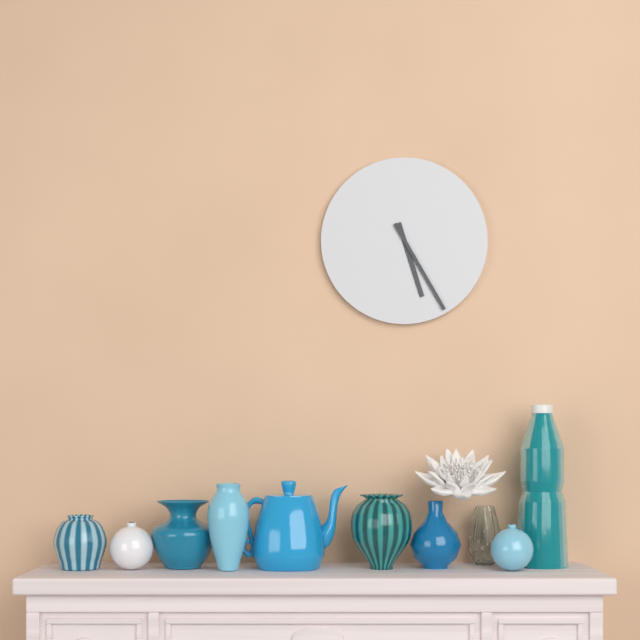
{"hour": 5, "minute": 25}
